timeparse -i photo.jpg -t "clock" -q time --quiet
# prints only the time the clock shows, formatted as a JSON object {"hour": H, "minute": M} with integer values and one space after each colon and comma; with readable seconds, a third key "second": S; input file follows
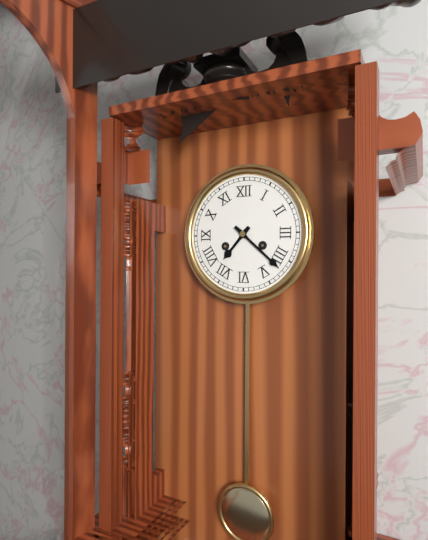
{"hour": 7, "minute": 22}
